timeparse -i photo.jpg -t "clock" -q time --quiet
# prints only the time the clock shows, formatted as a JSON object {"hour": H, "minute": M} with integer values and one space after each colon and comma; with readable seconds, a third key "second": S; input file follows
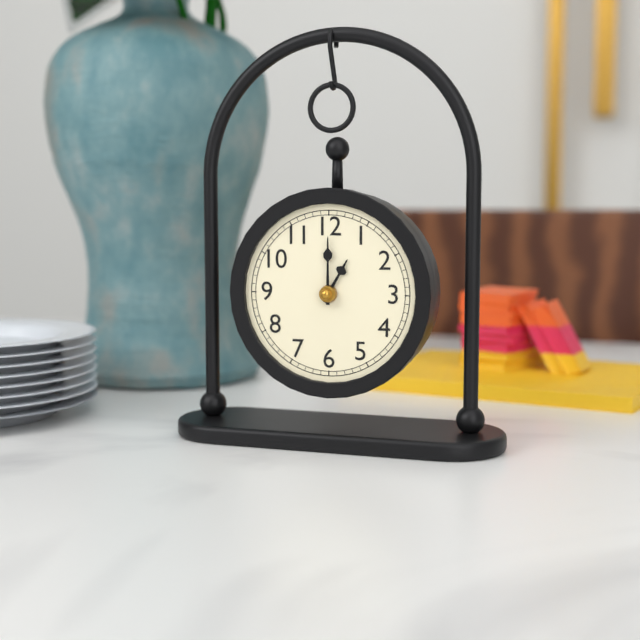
{"hour": 1, "minute": 0}
